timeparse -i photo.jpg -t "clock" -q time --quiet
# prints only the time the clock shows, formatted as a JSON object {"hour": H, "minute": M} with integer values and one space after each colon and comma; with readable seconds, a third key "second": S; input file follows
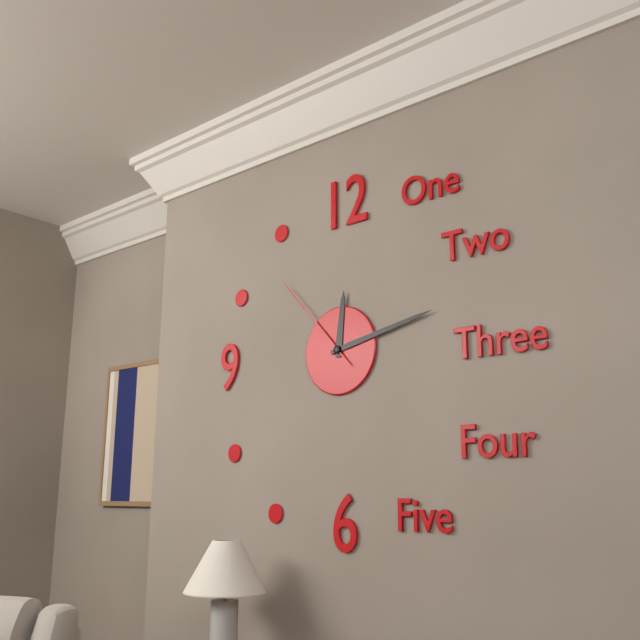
{"hour": 12, "minute": 13, "second": 53}
